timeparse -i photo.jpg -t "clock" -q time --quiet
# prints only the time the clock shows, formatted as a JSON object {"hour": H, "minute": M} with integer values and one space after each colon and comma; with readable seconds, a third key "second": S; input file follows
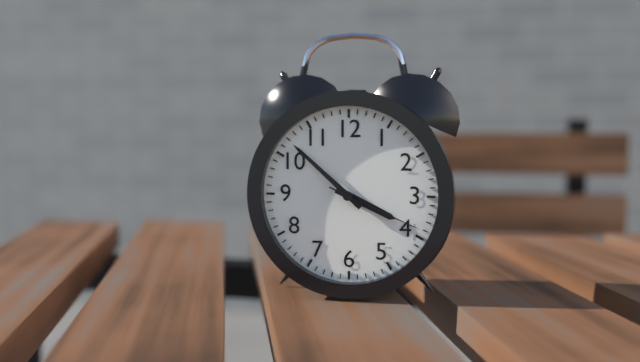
{"hour": 3, "minute": 52, "second": 19}
